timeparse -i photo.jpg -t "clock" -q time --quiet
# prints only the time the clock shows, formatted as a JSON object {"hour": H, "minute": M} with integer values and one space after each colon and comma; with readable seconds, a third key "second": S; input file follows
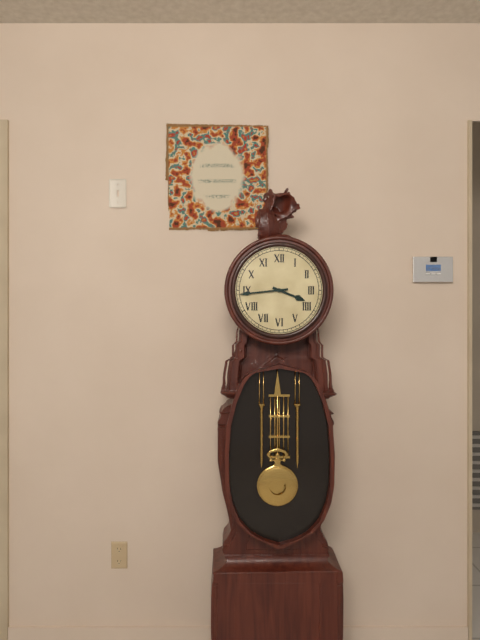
{"hour": 3, "minute": 44}
